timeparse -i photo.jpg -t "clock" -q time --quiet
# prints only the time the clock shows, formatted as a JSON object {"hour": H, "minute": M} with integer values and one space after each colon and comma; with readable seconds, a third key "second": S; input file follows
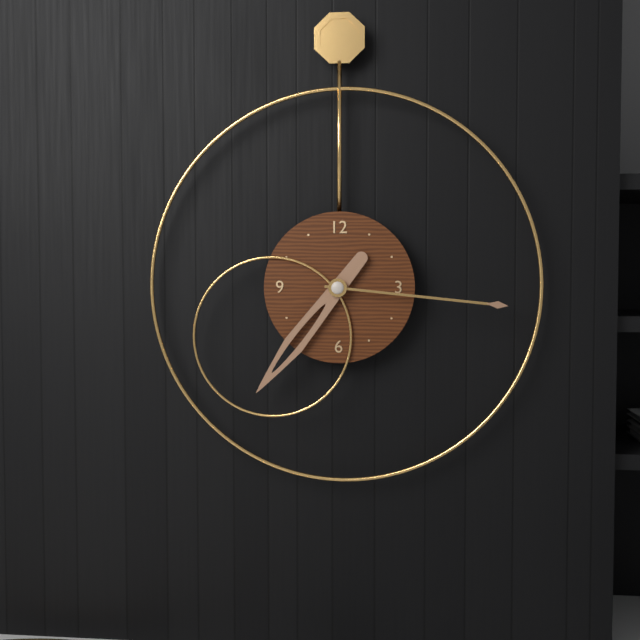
{"hour": 7, "minute": 16}
